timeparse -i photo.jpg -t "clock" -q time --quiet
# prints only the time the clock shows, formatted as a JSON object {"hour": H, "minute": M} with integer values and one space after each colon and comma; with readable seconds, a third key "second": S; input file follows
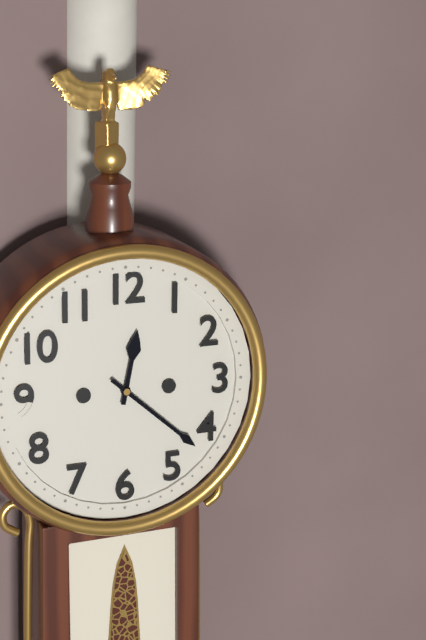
{"hour": 12, "minute": 22}
